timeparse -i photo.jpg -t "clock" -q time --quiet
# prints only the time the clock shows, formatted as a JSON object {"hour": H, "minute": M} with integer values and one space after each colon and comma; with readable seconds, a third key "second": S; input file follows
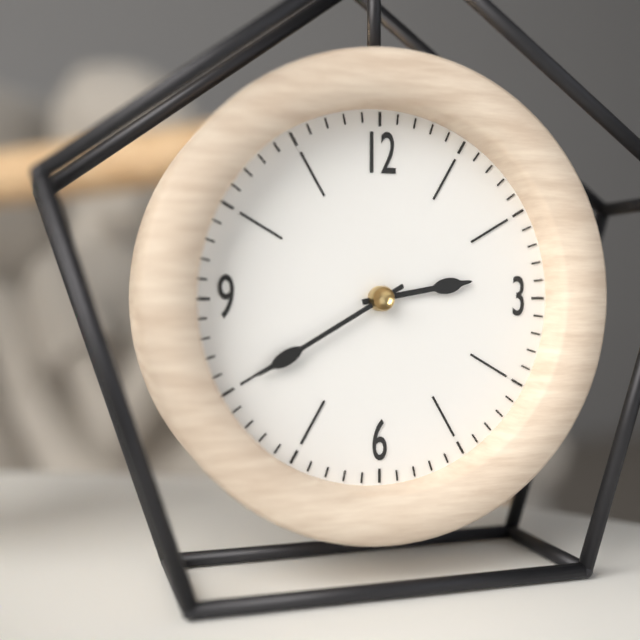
{"hour": 2, "minute": 40}
